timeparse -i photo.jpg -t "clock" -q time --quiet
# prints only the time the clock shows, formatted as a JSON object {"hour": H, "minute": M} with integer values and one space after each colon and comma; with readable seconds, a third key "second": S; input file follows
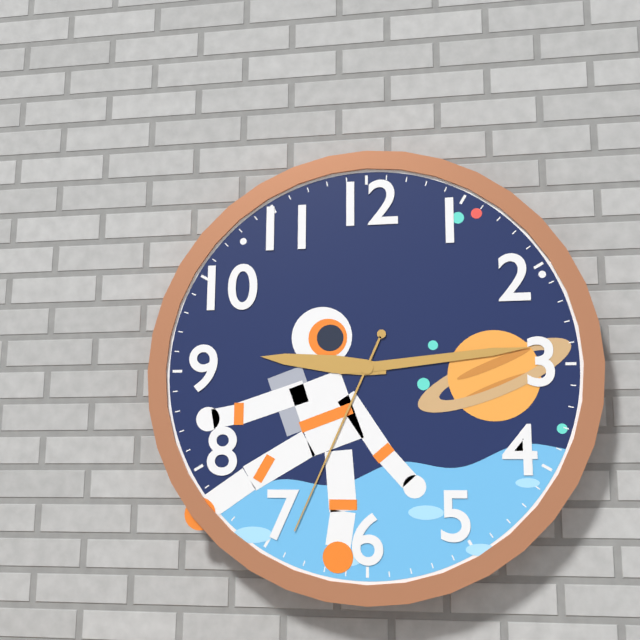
{"hour": 9, "minute": 14, "second": 34}
